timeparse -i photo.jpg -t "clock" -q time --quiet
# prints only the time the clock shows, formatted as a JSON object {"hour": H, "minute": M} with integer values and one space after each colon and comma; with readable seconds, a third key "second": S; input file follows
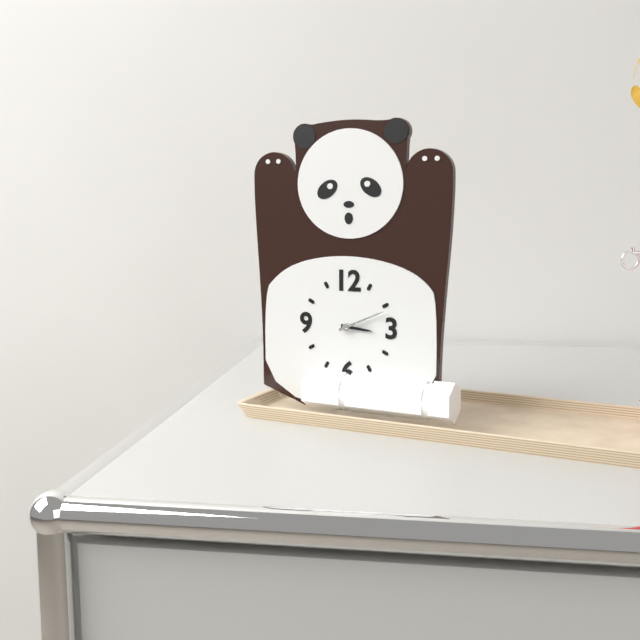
{"hour": 3, "minute": 11}
